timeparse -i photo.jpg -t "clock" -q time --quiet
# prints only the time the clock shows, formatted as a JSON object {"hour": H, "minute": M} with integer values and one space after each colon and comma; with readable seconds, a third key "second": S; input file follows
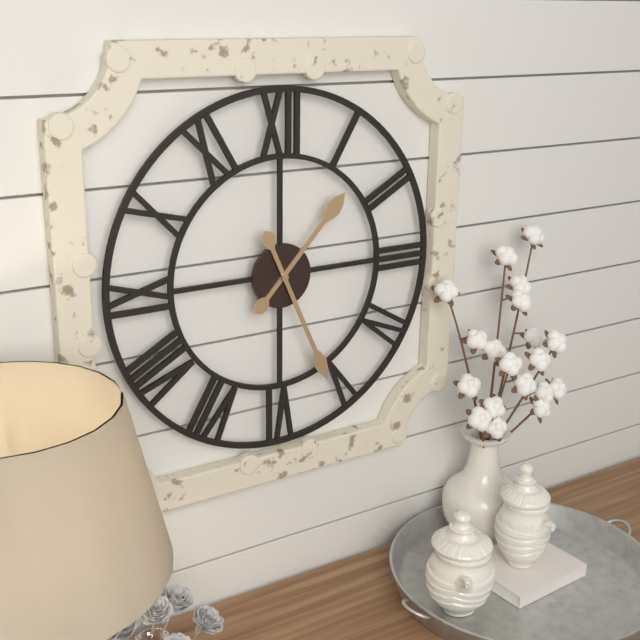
{"hour": 1, "minute": 26}
